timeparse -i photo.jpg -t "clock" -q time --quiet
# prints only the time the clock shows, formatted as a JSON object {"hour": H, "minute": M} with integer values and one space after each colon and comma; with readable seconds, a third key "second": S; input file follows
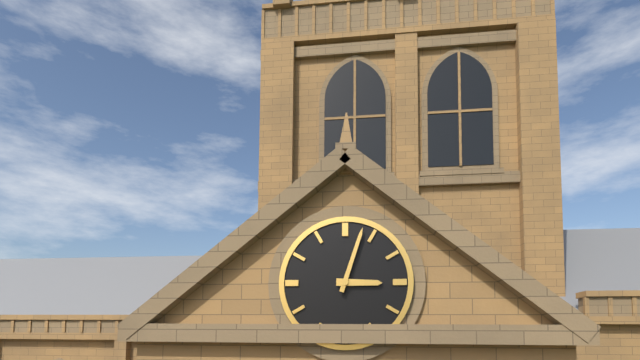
{"hour": 3, "minute": 3}
